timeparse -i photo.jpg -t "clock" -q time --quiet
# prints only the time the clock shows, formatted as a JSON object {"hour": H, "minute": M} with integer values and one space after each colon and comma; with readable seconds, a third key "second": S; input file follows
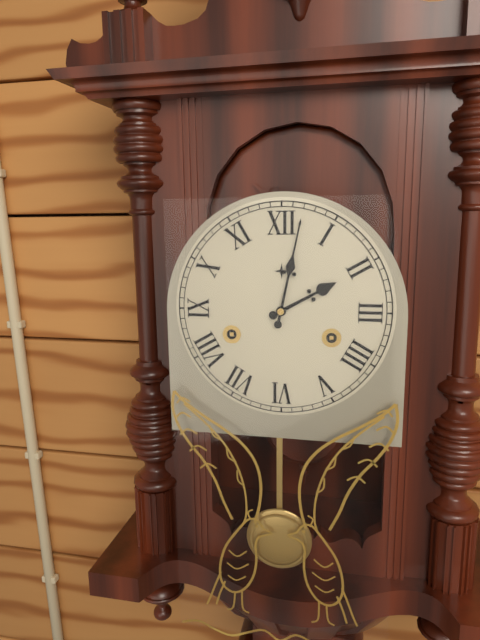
{"hour": 2, "minute": 2}
